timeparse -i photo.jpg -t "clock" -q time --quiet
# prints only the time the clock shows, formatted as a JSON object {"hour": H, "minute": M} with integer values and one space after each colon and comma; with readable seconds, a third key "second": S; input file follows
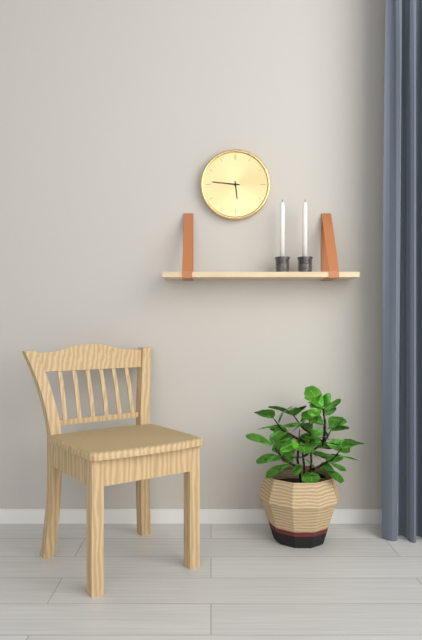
{"hour": 5, "minute": 46}
